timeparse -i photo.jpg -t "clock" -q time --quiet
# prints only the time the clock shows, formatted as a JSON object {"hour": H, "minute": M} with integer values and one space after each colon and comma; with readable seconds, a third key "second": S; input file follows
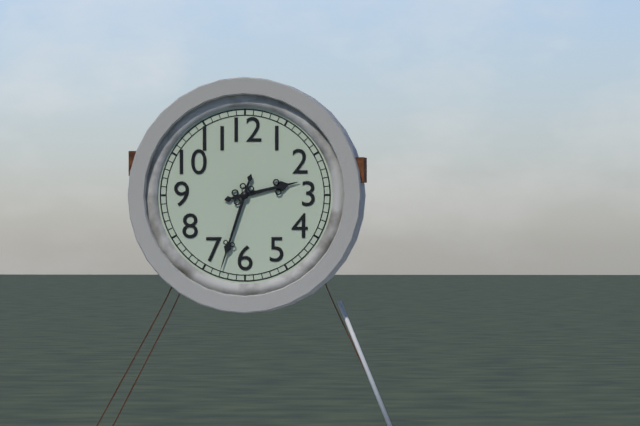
{"hour": 2, "minute": 33}
